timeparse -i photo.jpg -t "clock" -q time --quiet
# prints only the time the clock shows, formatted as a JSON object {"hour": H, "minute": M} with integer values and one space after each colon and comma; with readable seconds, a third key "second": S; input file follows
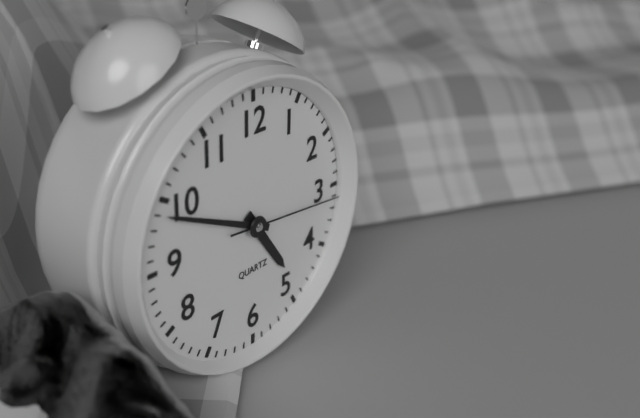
{"hour": 4, "minute": 49, "second": 16}
